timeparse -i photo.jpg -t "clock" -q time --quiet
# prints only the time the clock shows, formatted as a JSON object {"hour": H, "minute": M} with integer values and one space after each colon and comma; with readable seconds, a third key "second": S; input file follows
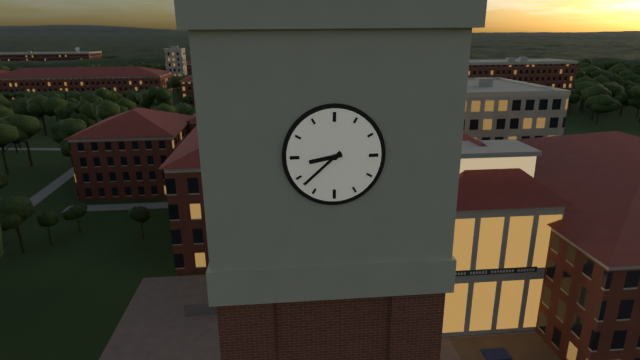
{"hour": 8, "minute": 38}
